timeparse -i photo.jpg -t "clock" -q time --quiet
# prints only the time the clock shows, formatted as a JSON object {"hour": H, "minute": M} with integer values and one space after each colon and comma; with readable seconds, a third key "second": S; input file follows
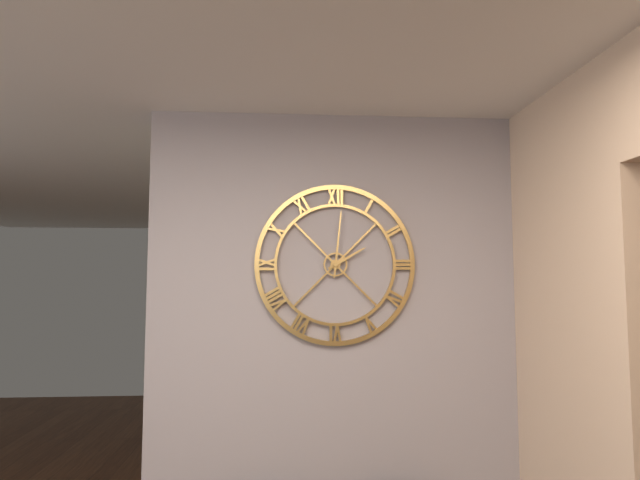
{"hour": 2, "minute": 1}
